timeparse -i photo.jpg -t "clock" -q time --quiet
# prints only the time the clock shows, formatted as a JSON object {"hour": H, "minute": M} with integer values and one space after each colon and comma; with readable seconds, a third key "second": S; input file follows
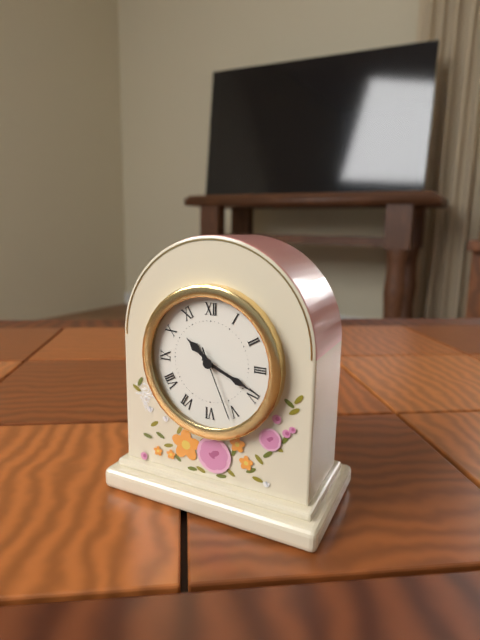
{"hour": 10, "minute": 19, "second": 26}
